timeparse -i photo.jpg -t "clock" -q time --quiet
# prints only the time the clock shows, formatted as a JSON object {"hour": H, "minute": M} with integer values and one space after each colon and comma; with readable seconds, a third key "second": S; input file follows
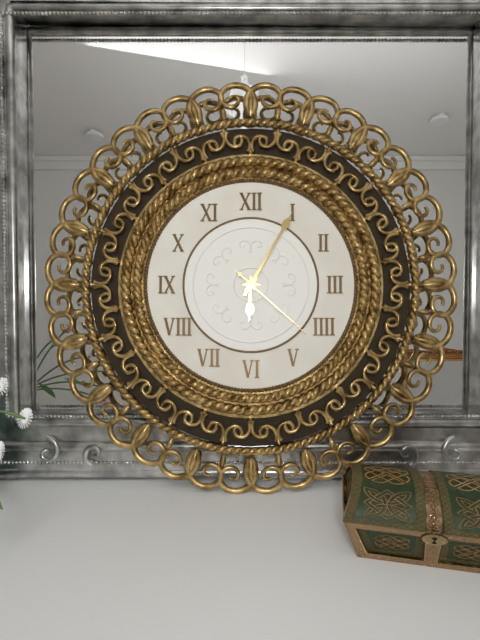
{"hour": 6, "minute": 5, "second": 22}
